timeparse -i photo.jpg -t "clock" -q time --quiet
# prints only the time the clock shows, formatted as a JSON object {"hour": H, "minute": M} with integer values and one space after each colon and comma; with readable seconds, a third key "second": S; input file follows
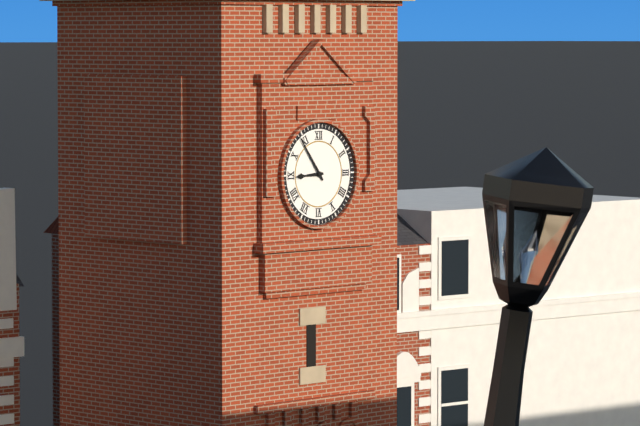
{"hour": 8, "minute": 54}
